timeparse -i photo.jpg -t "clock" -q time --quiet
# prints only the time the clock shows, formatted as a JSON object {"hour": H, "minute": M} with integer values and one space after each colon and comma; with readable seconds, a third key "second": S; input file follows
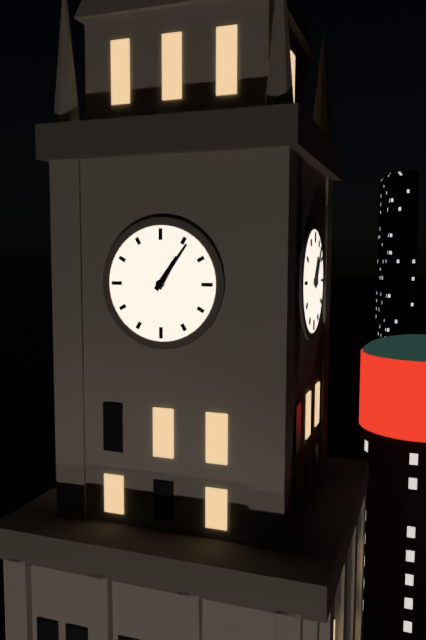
{"hour": 1, "minute": 6}
